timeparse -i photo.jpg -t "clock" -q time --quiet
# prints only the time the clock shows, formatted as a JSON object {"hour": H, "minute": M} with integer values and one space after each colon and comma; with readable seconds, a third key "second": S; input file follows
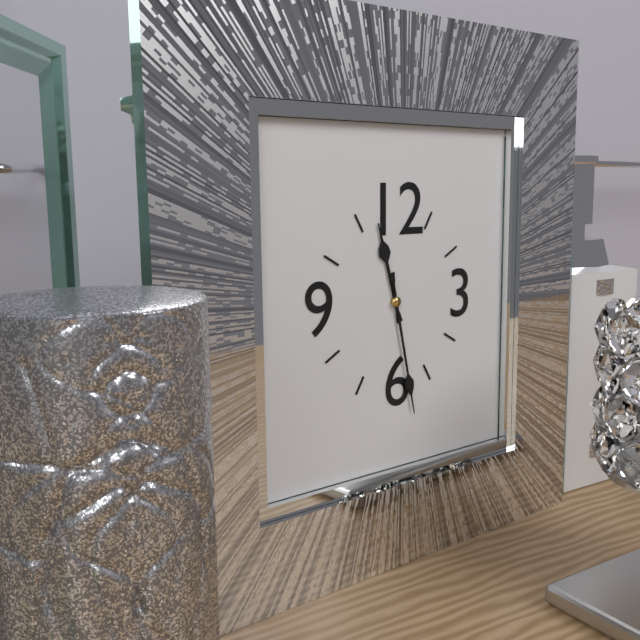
{"hour": 11, "minute": 28}
